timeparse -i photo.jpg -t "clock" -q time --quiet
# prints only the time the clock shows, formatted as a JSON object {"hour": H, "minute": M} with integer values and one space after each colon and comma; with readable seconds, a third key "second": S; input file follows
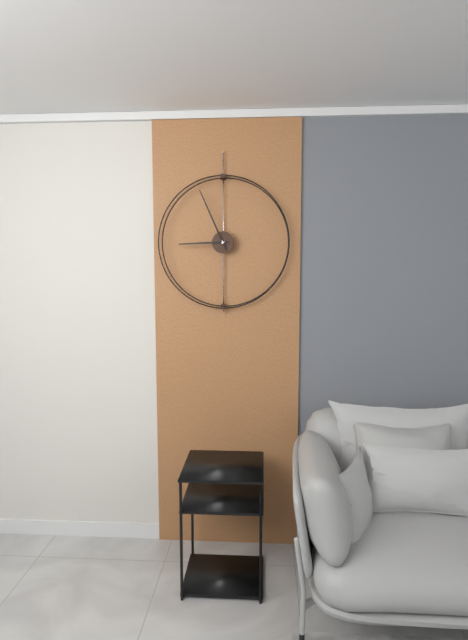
{"hour": 8, "minute": 56}
